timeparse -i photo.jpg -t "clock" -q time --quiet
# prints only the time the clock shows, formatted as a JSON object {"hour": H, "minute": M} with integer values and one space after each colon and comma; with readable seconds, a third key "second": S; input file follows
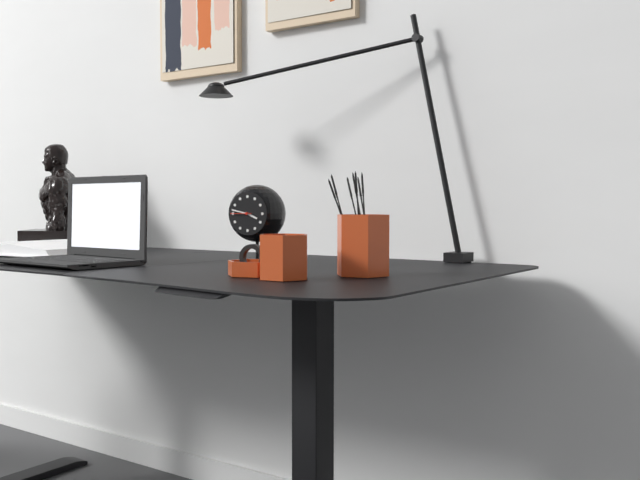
{"hour": 3, "minute": 47}
